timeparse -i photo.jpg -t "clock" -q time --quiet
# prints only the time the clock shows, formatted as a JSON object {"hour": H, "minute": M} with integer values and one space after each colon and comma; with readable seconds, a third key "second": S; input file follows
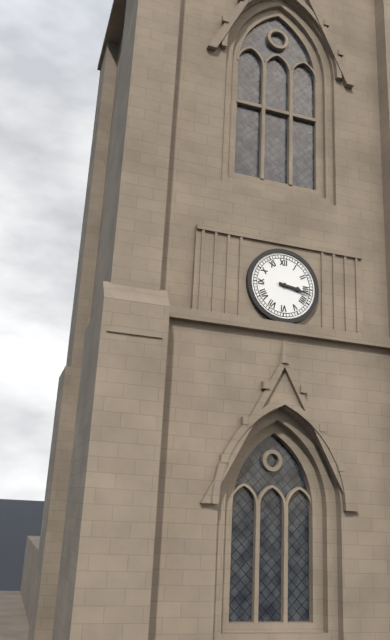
{"hour": 3, "minute": 17}
